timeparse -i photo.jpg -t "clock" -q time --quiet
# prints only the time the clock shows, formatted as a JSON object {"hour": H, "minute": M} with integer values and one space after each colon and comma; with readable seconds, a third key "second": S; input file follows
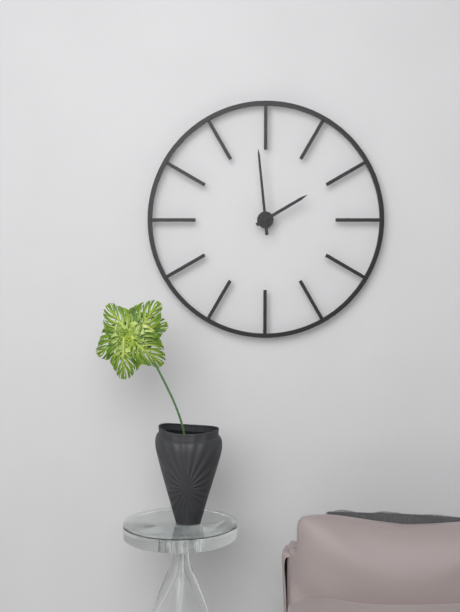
{"hour": 1, "minute": 59}
